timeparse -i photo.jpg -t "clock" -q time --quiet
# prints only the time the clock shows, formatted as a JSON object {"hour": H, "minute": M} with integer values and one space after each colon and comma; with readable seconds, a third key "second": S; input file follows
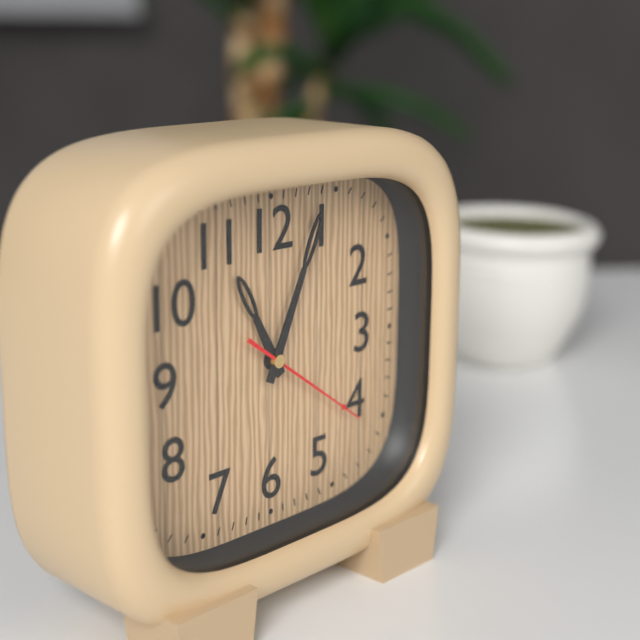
{"hour": 11, "minute": 4, "second": 21}
